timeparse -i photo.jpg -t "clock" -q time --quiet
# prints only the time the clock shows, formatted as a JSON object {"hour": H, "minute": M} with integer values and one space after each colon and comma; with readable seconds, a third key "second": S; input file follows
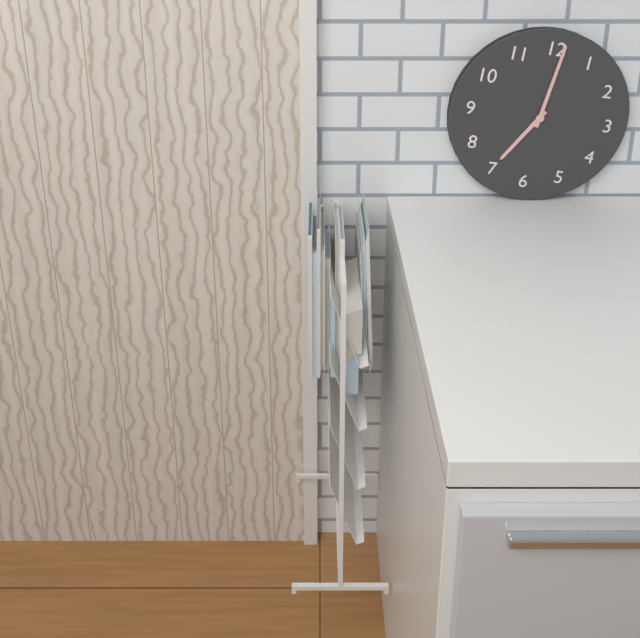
{"hour": 7, "minute": 1}
